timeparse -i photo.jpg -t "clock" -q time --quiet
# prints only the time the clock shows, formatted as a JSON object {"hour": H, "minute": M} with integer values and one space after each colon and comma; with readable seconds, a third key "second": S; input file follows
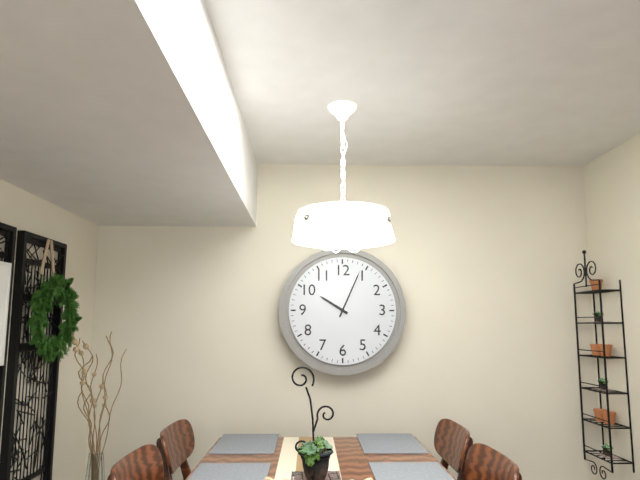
{"hour": 10, "minute": 4}
